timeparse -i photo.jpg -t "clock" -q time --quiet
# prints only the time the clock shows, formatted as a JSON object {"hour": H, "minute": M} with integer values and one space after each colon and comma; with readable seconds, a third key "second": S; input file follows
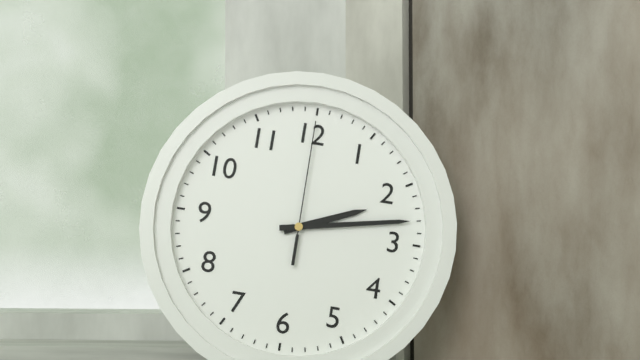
{"hour": 2, "minute": 13, "second": 0}
